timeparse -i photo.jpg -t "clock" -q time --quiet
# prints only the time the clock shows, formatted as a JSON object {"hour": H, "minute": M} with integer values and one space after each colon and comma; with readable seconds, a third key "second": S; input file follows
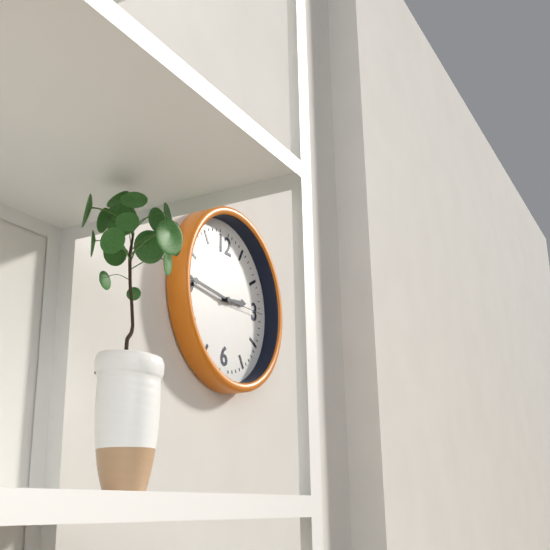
{"hour": 2, "minute": 46}
